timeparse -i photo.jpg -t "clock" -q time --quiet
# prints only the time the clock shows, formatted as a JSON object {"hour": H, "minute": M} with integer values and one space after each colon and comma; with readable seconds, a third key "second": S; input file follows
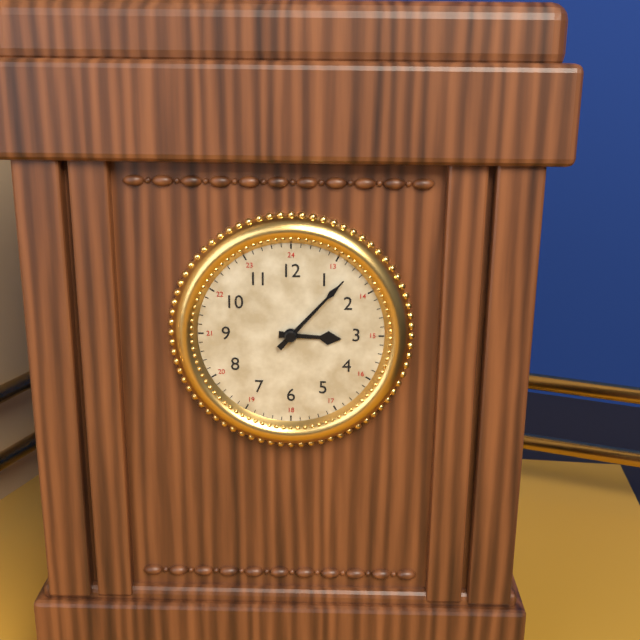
{"hour": 3, "minute": 7}
